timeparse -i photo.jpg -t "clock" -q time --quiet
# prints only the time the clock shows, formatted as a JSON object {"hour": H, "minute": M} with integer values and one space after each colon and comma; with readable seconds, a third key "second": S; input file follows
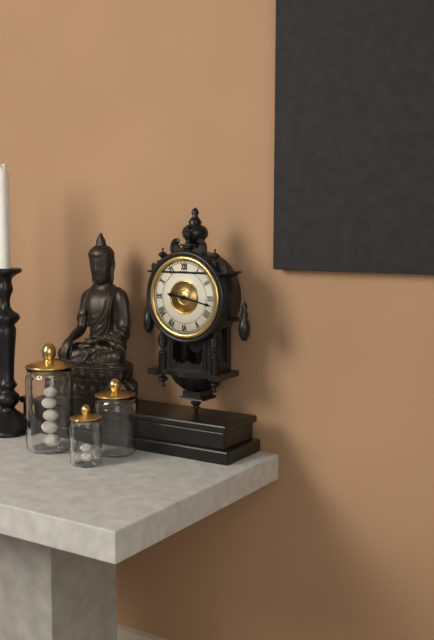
{"hour": 9, "minute": 17}
